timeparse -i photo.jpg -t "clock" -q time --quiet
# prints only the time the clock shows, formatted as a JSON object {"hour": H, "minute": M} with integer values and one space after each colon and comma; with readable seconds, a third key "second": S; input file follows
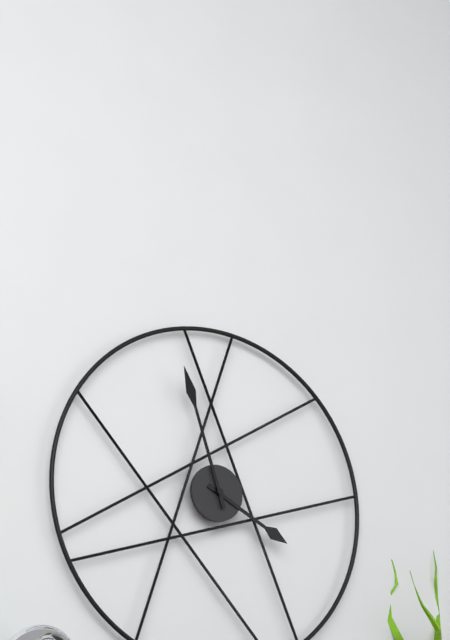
{"hour": 3, "minute": 57}
